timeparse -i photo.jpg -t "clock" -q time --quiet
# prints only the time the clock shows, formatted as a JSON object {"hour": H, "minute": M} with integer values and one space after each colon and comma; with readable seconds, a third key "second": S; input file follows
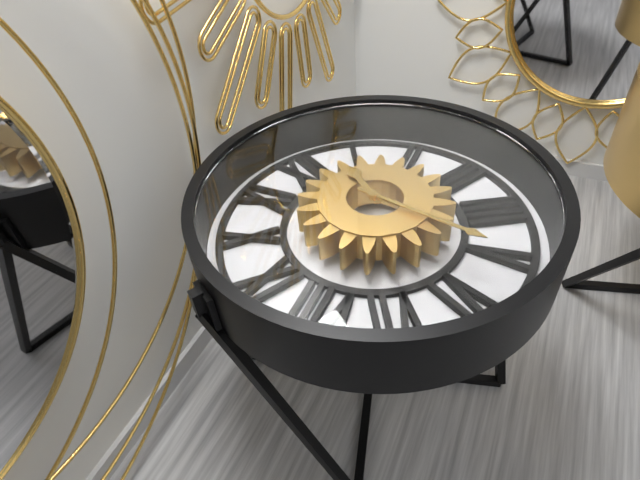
{"hour": 12, "minute": 27}
